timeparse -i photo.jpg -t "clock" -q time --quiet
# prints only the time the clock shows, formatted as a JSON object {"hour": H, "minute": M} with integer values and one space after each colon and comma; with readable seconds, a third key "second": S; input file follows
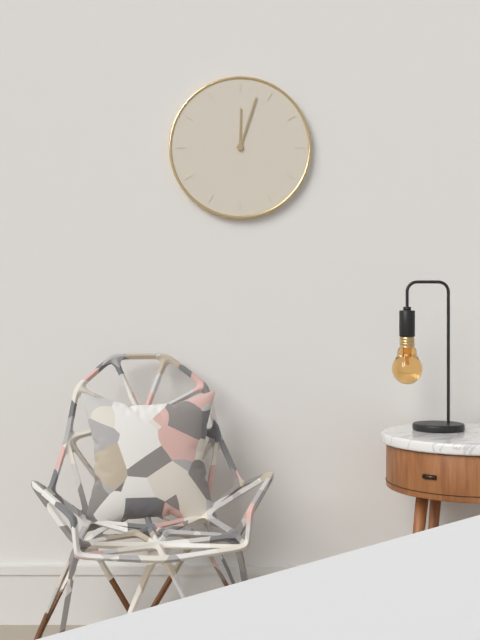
{"hour": 12, "minute": 3}
